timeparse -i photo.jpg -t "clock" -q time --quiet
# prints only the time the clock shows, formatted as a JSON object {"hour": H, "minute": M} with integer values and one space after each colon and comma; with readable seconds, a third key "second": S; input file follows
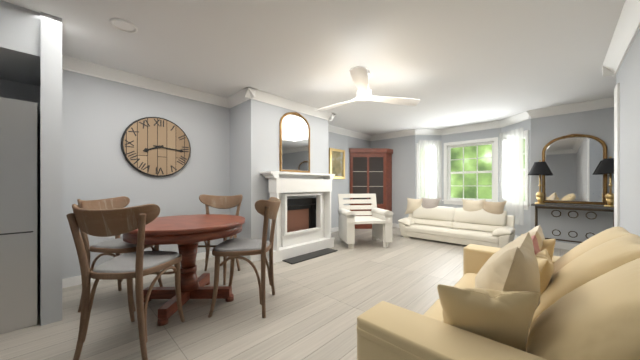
{"hour": 8, "minute": 16}
